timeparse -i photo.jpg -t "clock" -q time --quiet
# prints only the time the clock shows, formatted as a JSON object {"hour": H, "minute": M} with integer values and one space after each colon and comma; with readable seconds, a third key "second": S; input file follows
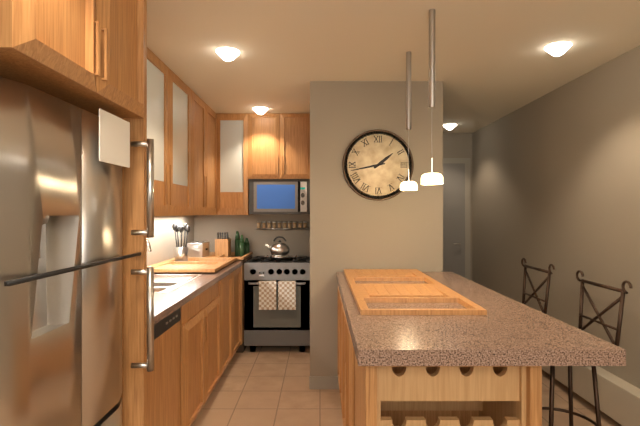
{"hour": 1, "minute": 43}
